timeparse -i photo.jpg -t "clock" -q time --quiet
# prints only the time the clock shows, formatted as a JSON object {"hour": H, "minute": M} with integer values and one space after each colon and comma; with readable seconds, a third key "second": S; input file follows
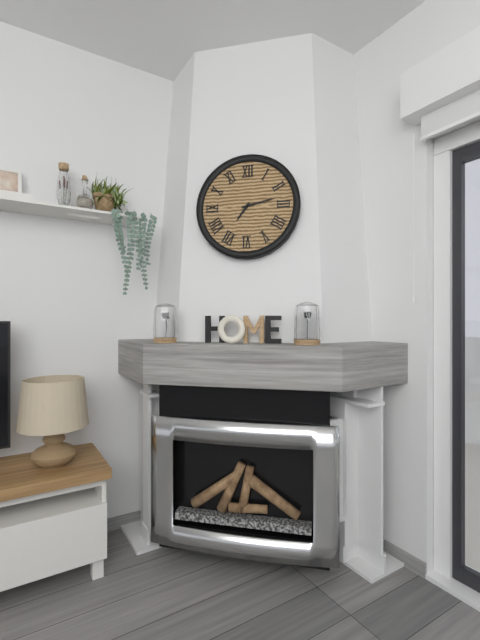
{"hour": 7, "minute": 13}
